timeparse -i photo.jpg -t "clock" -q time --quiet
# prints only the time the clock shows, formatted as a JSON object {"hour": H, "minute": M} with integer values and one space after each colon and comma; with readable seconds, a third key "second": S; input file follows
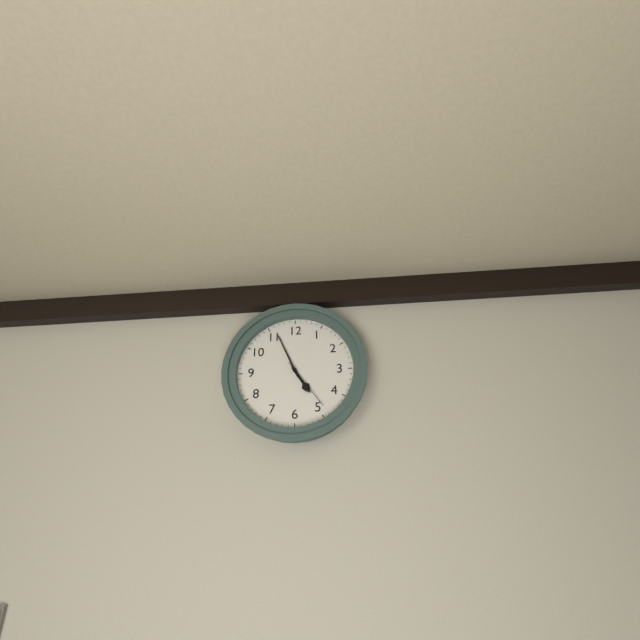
{"hour": 4, "minute": 56, "second": 24}
